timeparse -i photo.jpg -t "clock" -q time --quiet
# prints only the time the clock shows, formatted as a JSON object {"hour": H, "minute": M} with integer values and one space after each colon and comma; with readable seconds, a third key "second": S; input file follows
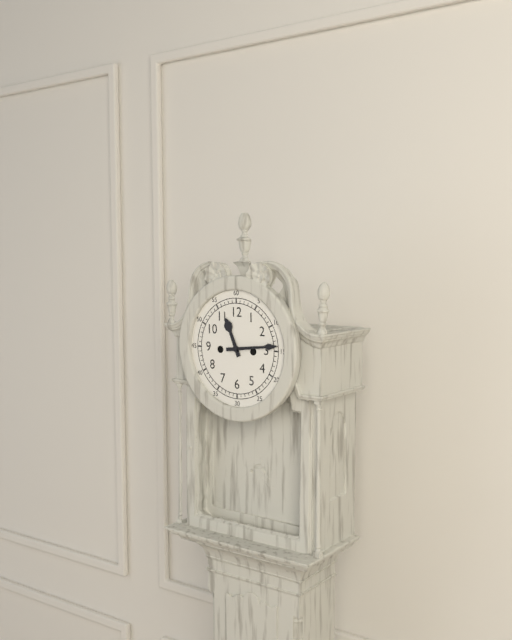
{"hour": 11, "minute": 14}
